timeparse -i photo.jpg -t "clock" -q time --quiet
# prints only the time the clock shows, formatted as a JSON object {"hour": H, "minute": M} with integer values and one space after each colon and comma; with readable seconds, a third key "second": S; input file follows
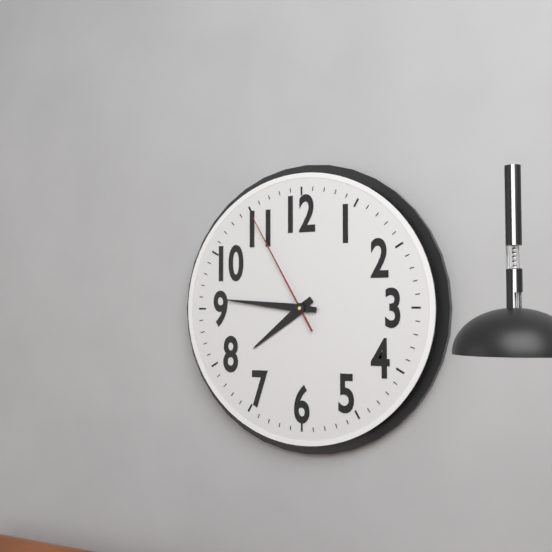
{"hour": 7, "minute": 46, "second": 55}
